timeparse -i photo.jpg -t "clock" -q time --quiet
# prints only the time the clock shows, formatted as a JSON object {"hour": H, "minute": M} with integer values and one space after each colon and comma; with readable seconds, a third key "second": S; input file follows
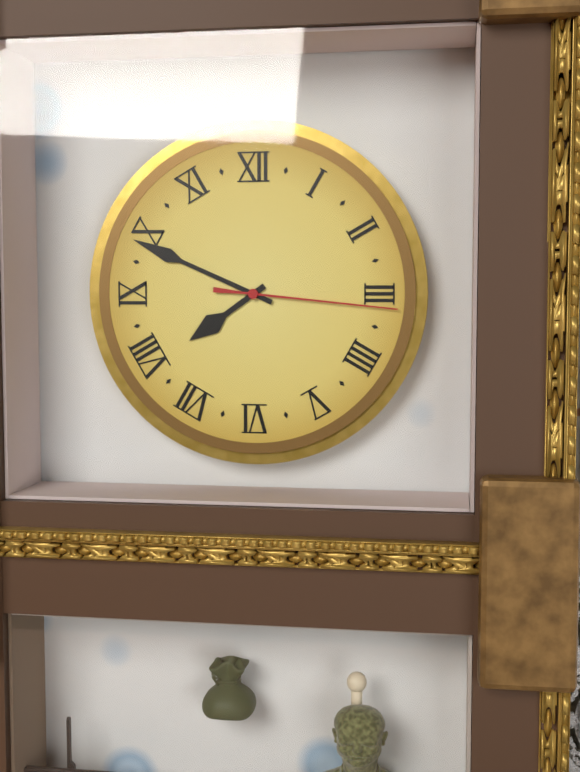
{"hour": 7, "minute": 49, "second": 16}
